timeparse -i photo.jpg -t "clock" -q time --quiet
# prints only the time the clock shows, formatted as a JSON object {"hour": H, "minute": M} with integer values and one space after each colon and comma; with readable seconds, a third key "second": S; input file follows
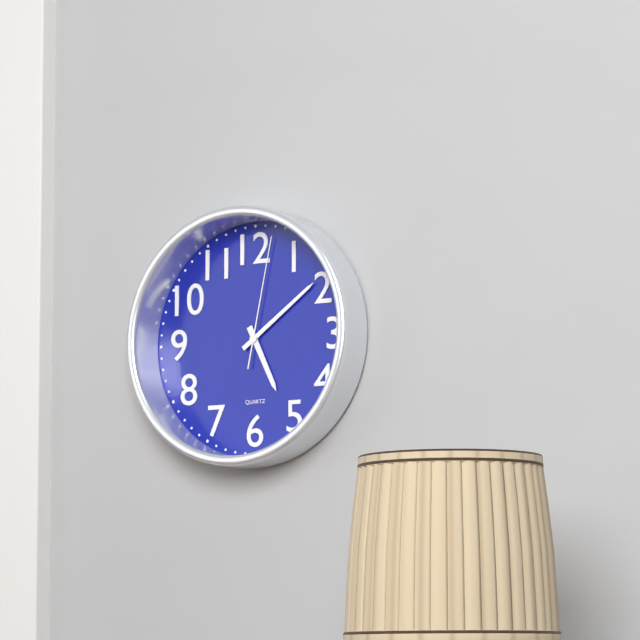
{"hour": 5, "minute": 9, "second": 2}
